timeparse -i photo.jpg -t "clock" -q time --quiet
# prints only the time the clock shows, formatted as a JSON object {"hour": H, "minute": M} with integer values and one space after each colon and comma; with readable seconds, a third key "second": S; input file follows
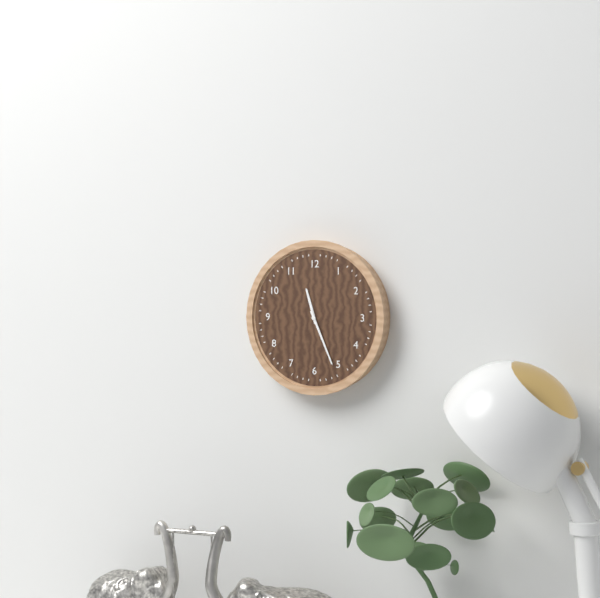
{"hour": 11, "minute": 26}
